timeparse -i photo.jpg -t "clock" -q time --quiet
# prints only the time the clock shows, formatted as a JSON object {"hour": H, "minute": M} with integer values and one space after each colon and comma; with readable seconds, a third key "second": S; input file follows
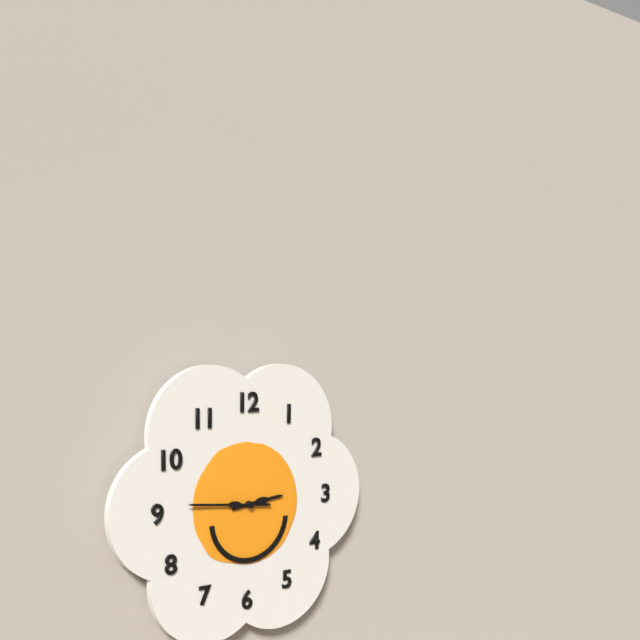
{"hour": 2, "minute": 46}
